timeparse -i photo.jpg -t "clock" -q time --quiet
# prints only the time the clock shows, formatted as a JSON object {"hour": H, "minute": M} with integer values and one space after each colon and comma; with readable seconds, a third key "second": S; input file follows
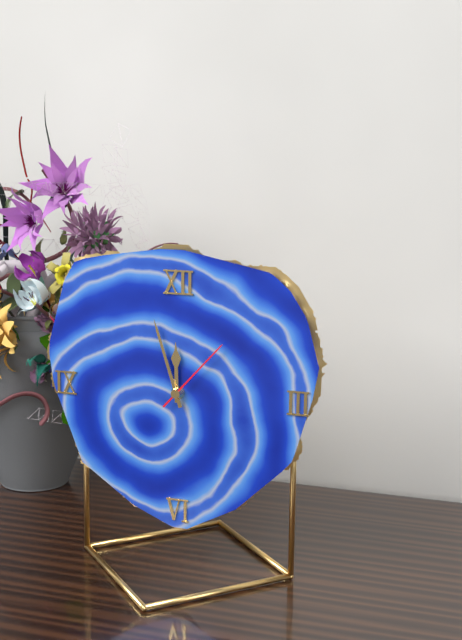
{"hour": 11, "minute": 57, "second": 7}
